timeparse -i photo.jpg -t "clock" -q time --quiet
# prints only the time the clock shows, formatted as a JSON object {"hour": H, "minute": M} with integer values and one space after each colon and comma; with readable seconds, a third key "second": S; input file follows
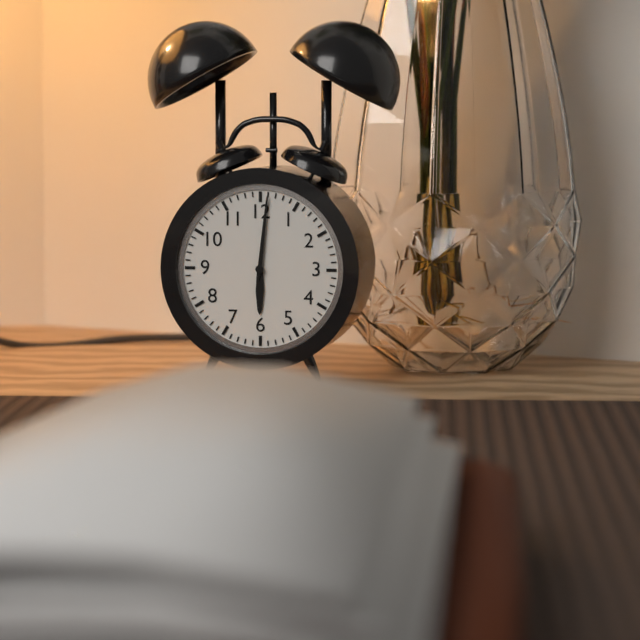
{"hour": 6, "minute": 1}
